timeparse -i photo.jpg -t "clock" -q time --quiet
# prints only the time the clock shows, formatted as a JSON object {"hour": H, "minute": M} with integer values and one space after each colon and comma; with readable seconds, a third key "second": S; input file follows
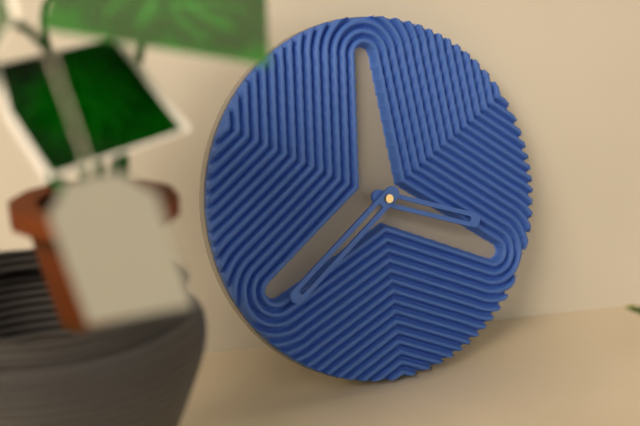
{"hour": 3, "minute": 39}
